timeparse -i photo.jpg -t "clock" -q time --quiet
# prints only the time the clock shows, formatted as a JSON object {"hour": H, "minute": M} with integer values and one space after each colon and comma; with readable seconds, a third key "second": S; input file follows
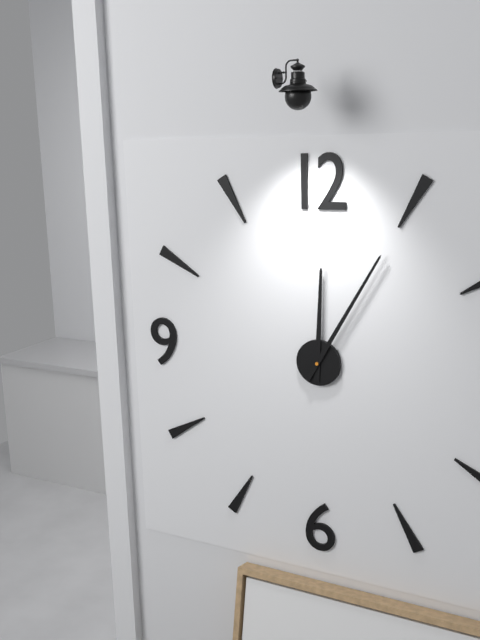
{"hour": 12, "minute": 5}
